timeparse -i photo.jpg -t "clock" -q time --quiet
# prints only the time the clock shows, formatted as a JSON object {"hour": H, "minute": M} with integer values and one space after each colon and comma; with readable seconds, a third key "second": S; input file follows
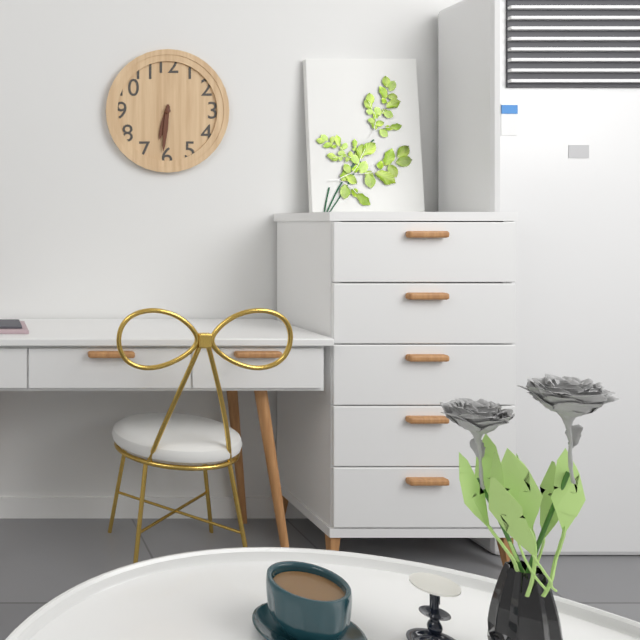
{"hour": 6, "minute": 31}
